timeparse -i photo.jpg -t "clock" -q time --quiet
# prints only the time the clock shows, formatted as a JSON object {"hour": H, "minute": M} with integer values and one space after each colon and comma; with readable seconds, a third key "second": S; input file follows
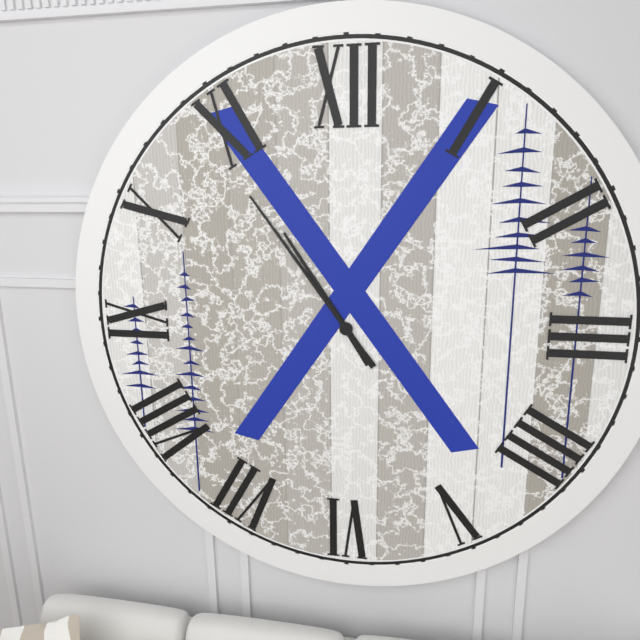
{"hour": 10, "minute": 54}
